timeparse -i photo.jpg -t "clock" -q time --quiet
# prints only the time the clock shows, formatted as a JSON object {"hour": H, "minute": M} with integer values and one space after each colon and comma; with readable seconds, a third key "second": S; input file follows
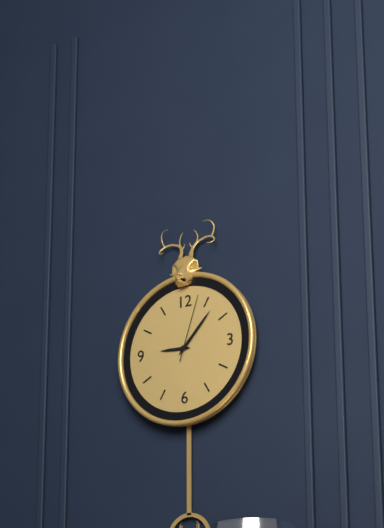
{"hour": 9, "minute": 7, "second": 3}
